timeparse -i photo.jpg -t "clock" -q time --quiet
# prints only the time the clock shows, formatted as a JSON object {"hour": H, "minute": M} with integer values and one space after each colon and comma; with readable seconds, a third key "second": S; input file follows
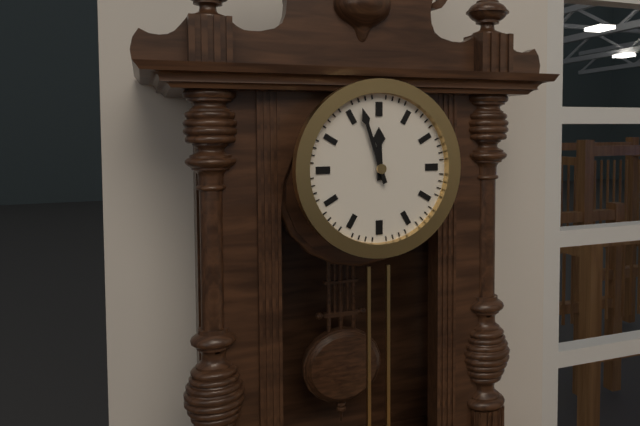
{"hour": 11, "minute": 57}
